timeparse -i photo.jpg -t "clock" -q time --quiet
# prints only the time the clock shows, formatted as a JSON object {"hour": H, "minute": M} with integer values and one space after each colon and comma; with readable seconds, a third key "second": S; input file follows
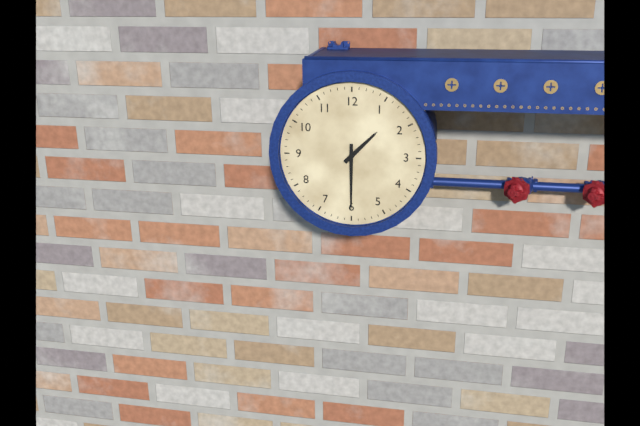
{"hour": 1, "minute": 30}
